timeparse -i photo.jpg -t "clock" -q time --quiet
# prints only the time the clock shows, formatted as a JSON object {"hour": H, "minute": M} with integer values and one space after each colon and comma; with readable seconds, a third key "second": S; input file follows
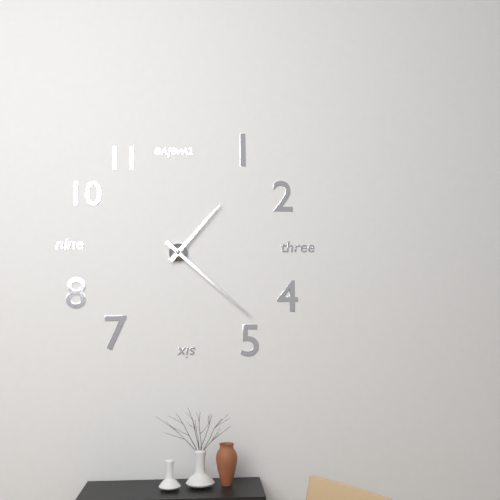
{"hour": 1, "minute": 22}
